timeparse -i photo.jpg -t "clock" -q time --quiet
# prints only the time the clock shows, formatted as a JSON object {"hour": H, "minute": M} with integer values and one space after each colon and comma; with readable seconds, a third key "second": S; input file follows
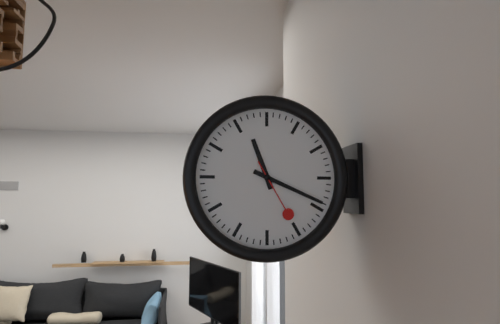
{"hour": 11, "minute": 19, "second": 25}
